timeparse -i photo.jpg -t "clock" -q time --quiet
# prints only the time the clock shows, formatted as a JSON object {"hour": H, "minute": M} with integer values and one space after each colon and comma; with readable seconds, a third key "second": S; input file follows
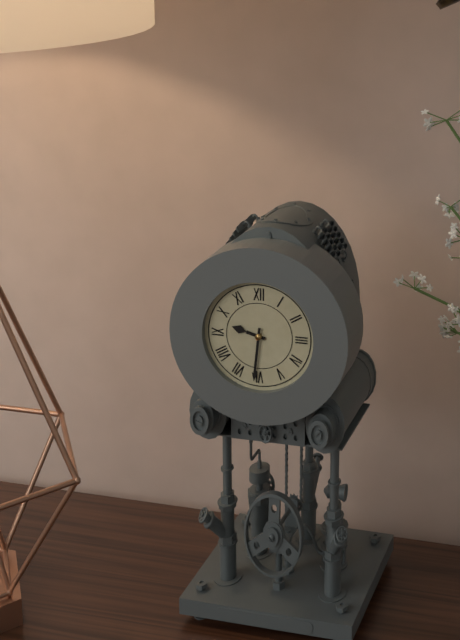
{"hour": 9, "minute": 31}
